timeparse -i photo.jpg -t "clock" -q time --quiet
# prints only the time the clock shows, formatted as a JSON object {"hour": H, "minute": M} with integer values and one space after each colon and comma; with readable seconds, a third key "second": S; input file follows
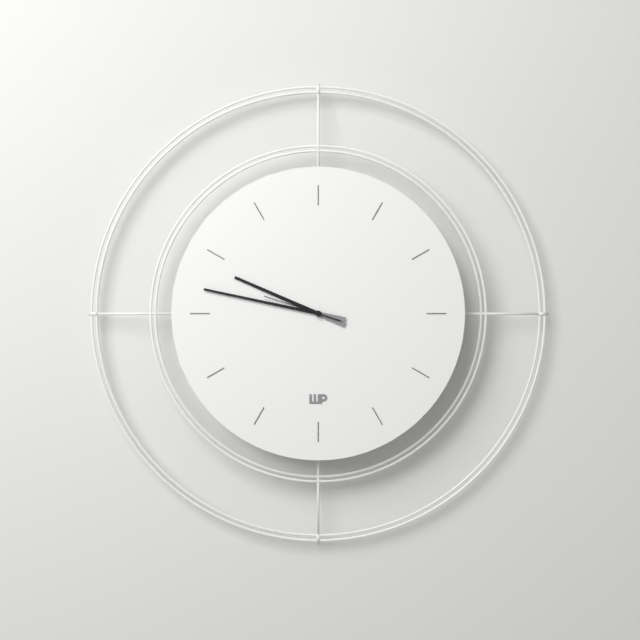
{"hour": 9, "minute": 47, "second": 48}
